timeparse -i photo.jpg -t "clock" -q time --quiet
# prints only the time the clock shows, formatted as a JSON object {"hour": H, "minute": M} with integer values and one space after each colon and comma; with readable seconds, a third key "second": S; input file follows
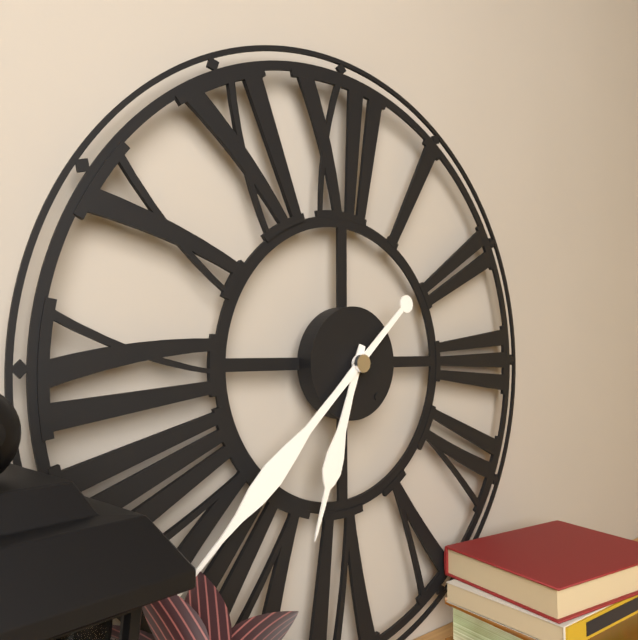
{"hour": 6, "minute": 38}
